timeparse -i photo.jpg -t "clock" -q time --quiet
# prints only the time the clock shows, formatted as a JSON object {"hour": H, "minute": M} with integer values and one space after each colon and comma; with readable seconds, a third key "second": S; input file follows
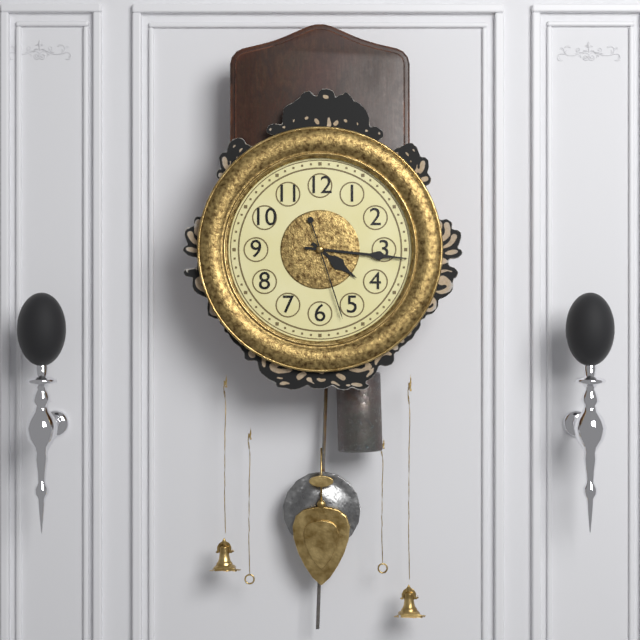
{"hour": 4, "minute": 16, "second": 27}
